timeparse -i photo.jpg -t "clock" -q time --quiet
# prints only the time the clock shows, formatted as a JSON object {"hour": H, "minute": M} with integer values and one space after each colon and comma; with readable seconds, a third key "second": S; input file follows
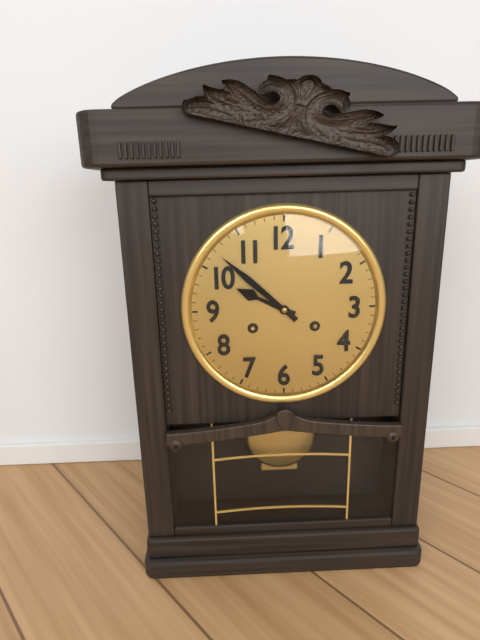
{"hour": 9, "minute": 52}
